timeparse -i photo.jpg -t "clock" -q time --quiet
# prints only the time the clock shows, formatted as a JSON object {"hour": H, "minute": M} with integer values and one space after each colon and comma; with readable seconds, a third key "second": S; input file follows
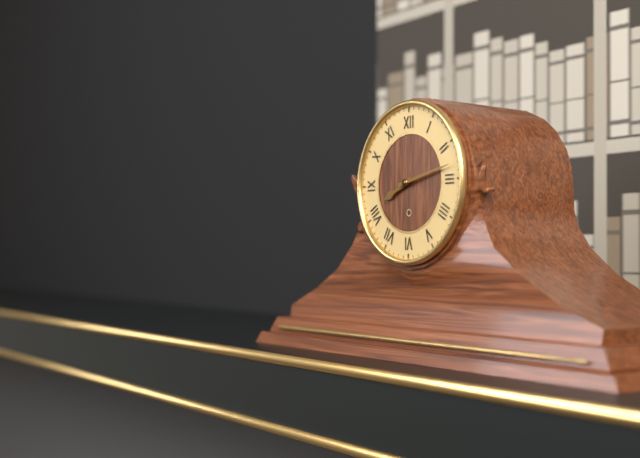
{"hour": 8, "minute": 13}
